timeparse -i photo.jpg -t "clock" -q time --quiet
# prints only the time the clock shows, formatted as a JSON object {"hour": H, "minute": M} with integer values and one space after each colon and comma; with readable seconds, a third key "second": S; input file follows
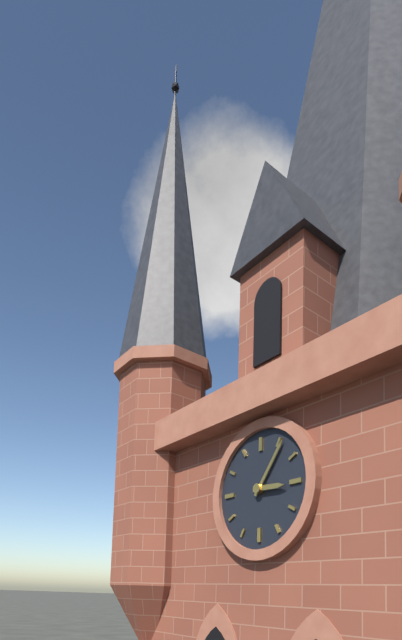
{"hour": 3, "minute": 6}
